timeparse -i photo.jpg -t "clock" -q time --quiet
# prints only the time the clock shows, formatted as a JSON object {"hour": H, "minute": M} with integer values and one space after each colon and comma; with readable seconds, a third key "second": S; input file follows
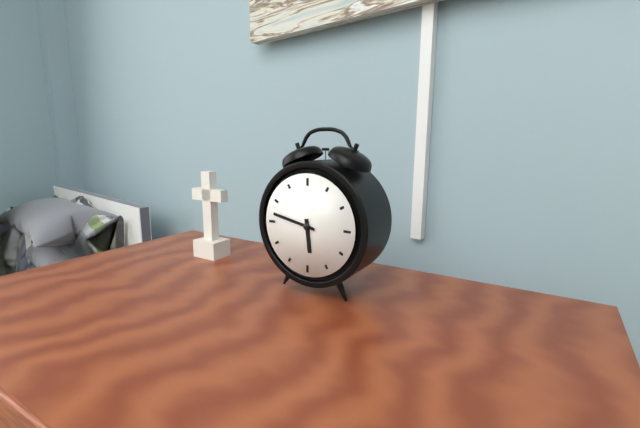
{"hour": 5, "minute": 47}
